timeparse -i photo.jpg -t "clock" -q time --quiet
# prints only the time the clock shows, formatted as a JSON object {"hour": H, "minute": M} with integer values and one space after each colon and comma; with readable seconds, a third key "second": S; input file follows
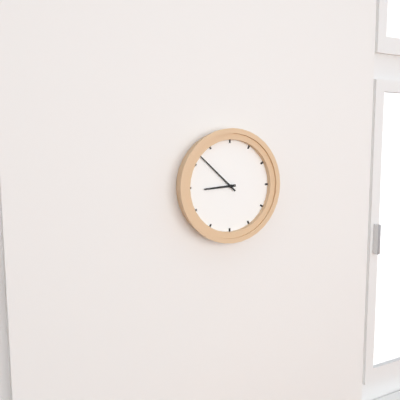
{"hour": 8, "minute": 52}
